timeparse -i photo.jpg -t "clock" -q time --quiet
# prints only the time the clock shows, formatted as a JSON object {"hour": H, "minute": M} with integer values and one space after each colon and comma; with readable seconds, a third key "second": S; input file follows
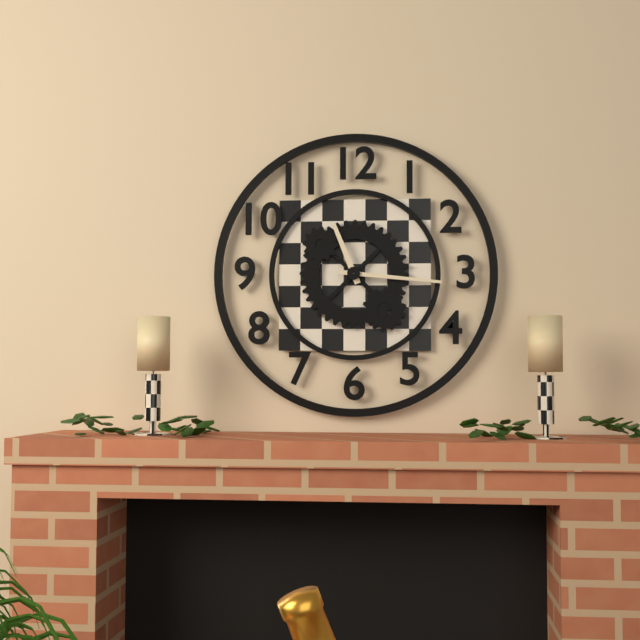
{"hour": 11, "minute": 16}
